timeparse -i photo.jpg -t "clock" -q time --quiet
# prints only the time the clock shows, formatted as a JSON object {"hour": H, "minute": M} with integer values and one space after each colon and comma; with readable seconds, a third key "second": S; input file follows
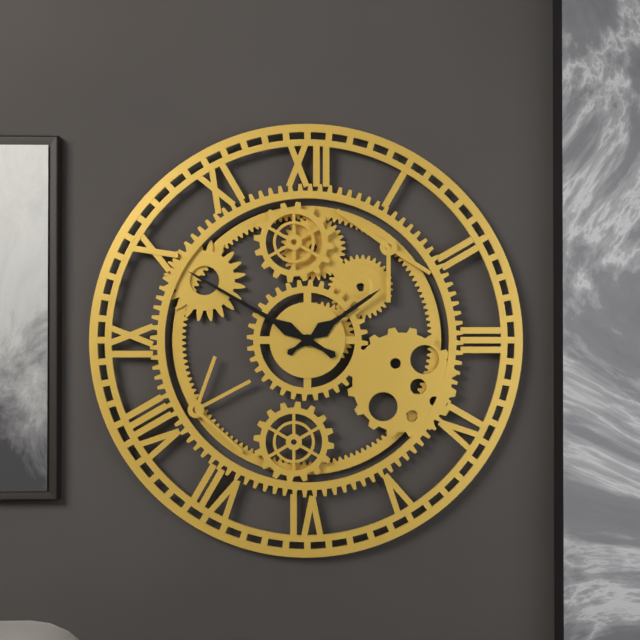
{"hour": 1, "minute": 50}
